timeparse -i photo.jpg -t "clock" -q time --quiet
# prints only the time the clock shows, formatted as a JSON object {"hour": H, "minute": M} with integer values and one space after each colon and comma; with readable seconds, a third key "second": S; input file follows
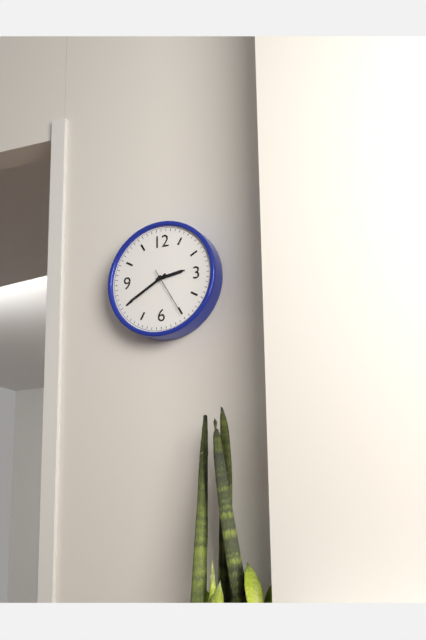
{"hour": 2, "minute": 40, "second": 25}
